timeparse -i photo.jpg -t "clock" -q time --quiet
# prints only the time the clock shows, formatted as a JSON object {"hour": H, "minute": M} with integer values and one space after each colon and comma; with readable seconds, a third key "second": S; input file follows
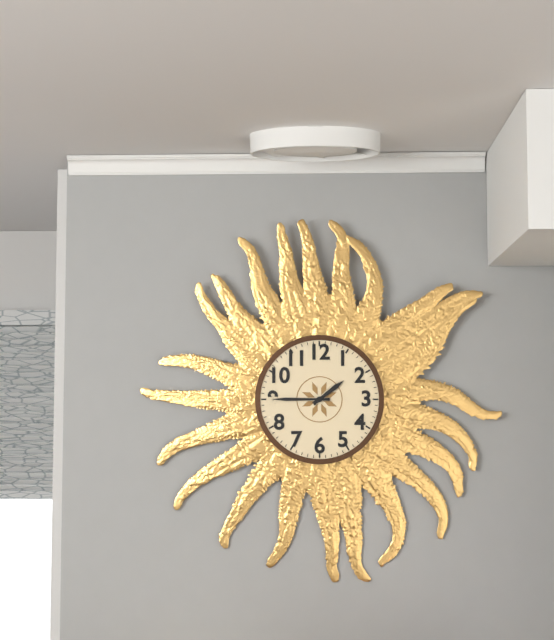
{"hour": 1, "minute": 45}
